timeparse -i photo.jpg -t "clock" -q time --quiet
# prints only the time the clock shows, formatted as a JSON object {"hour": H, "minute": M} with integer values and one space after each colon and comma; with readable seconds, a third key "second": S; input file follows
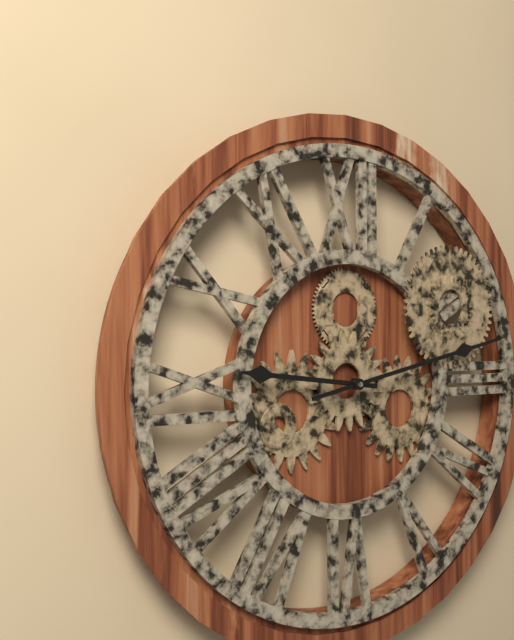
{"hour": 9, "minute": 13}
